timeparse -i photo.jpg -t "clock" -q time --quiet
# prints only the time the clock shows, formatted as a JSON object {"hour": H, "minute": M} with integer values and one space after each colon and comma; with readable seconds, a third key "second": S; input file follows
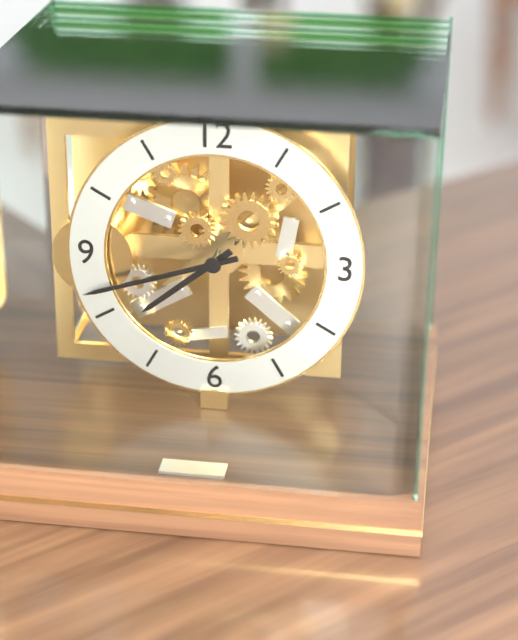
{"hour": 7, "minute": 42}
